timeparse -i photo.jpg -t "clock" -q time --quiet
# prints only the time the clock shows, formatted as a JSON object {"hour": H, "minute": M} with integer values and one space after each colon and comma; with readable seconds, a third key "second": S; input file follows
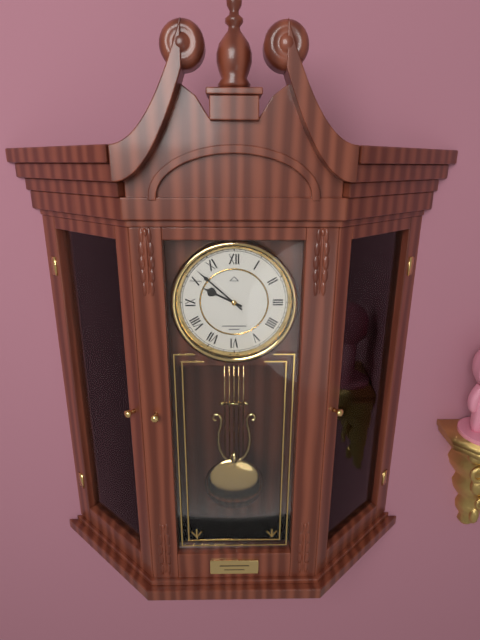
{"hour": 9, "minute": 52}
